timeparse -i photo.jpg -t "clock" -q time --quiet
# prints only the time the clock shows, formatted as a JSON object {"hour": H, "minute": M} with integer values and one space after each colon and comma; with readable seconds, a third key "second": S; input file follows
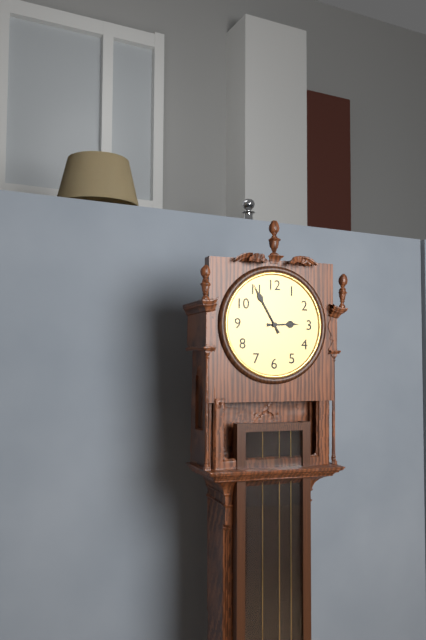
{"hour": 2, "minute": 55}
